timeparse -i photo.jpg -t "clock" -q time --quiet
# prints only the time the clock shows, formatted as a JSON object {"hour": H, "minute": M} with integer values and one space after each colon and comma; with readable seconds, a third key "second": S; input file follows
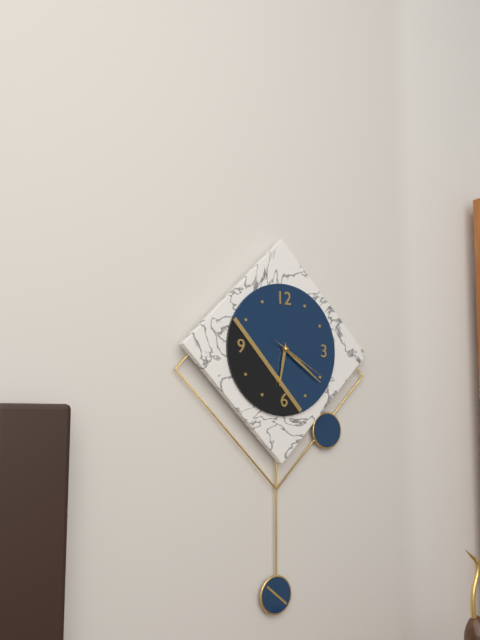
{"hour": 6, "minute": 21, "second": 20}
